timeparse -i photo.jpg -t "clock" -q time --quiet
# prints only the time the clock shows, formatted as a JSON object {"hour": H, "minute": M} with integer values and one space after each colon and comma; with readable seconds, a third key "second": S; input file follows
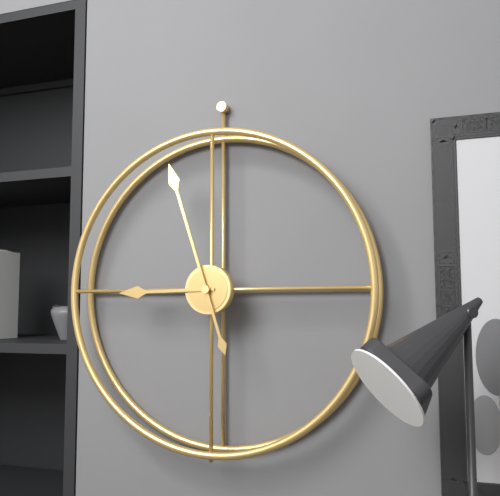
{"hour": 8, "minute": 57}
